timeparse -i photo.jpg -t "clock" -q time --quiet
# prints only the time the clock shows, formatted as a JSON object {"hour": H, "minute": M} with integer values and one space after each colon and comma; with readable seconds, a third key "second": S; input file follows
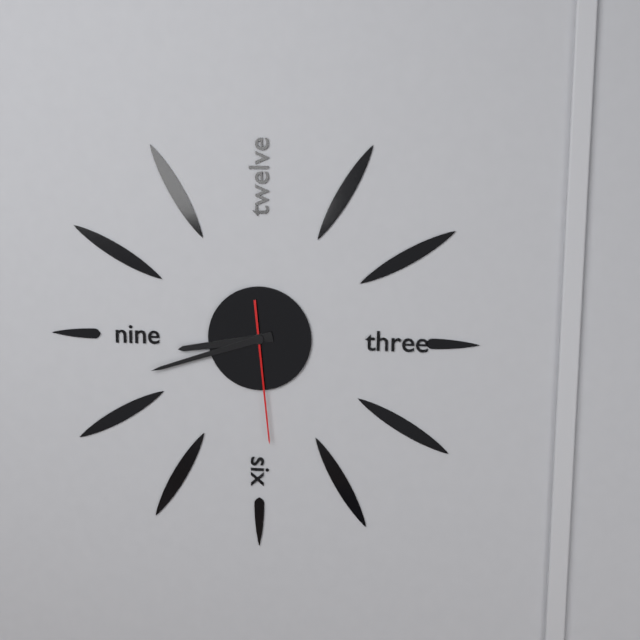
{"hour": 8, "minute": 42, "second": 29}
